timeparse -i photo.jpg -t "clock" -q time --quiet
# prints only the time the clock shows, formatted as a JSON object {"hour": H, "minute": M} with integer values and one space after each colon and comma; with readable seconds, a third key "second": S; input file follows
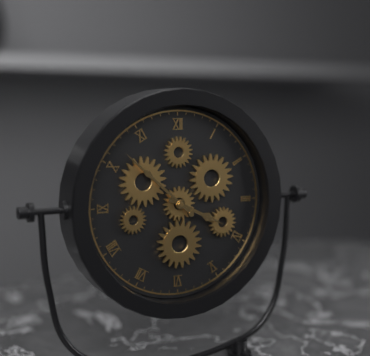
{"hour": 3, "minute": 52}
